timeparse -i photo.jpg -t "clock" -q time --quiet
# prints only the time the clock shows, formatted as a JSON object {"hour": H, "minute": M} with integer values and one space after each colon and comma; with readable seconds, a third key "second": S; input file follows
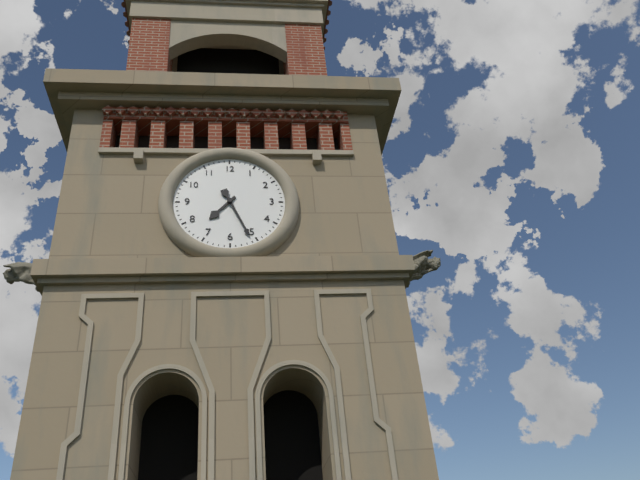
{"hour": 7, "minute": 26}
